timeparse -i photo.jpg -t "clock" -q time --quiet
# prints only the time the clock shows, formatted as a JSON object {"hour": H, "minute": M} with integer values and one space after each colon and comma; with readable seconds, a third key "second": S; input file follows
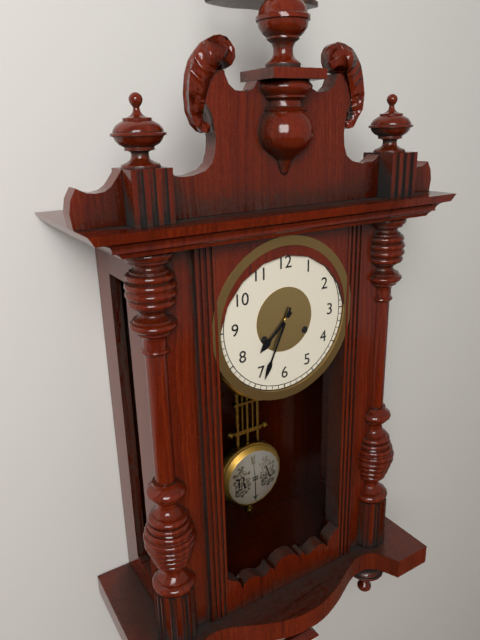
{"hour": 7, "minute": 34}
